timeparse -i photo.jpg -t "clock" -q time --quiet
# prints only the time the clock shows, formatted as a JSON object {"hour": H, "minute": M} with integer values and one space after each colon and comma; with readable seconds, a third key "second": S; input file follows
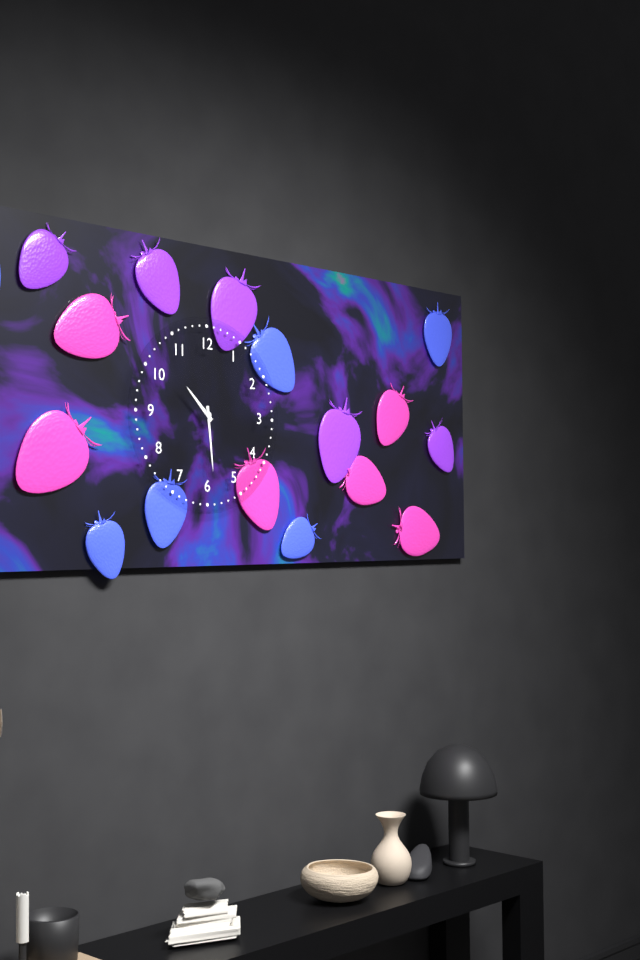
{"hour": 10, "minute": 29}
